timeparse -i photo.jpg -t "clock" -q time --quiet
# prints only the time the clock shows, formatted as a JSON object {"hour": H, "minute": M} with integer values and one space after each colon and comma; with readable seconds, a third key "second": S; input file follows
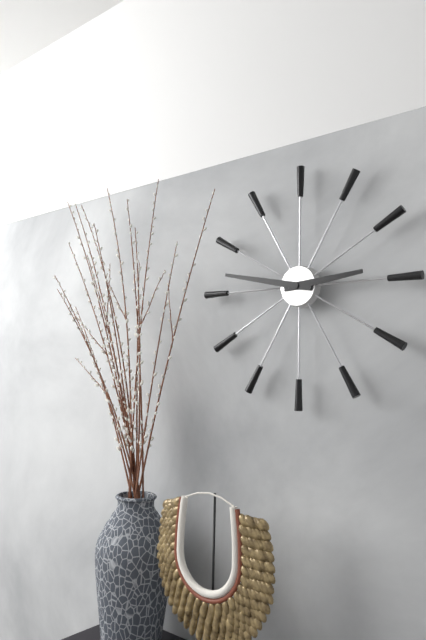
{"hour": 2, "minute": 47}
